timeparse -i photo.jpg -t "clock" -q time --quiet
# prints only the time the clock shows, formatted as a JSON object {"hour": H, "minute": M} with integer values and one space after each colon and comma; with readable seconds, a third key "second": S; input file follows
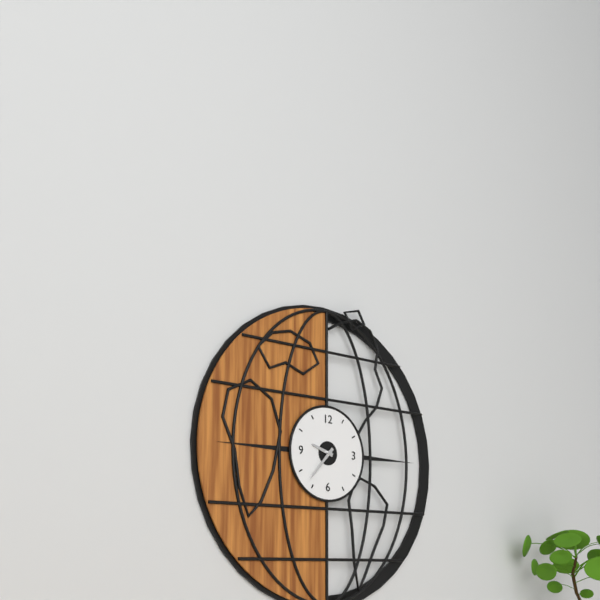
{"hour": 9, "minute": 37}
